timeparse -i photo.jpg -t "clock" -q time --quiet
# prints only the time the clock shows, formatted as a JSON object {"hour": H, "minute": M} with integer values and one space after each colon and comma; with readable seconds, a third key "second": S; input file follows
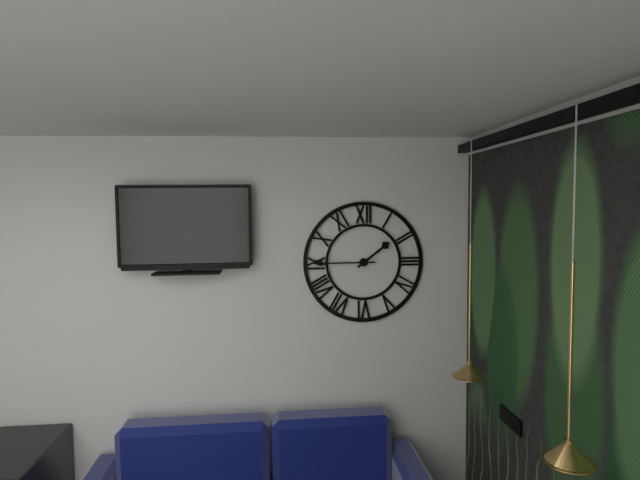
{"hour": 1, "minute": 45}
